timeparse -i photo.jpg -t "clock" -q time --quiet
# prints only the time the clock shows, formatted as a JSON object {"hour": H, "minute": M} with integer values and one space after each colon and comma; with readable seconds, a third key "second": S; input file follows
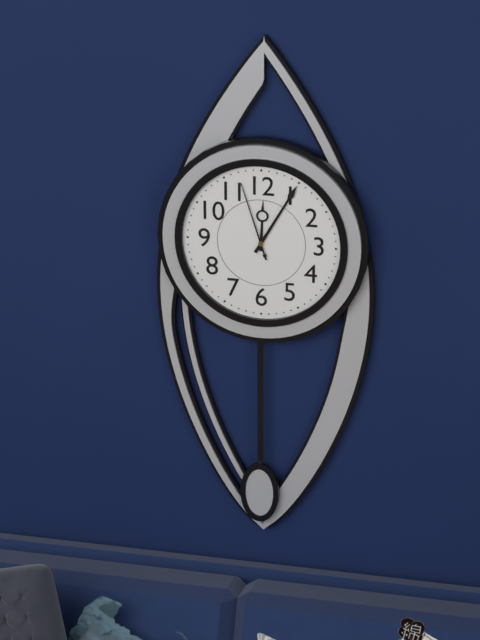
{"hour": 12, "minute": 5, "second": 57}
